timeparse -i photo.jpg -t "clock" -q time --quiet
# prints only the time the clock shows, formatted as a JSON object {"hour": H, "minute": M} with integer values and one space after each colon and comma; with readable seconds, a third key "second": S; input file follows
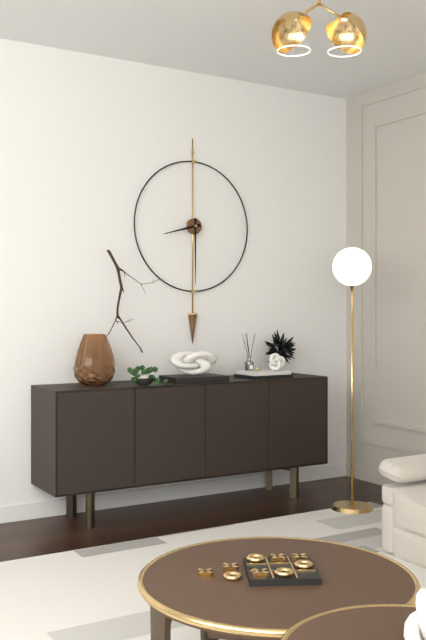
{"hour": 8, "minute": 30}
